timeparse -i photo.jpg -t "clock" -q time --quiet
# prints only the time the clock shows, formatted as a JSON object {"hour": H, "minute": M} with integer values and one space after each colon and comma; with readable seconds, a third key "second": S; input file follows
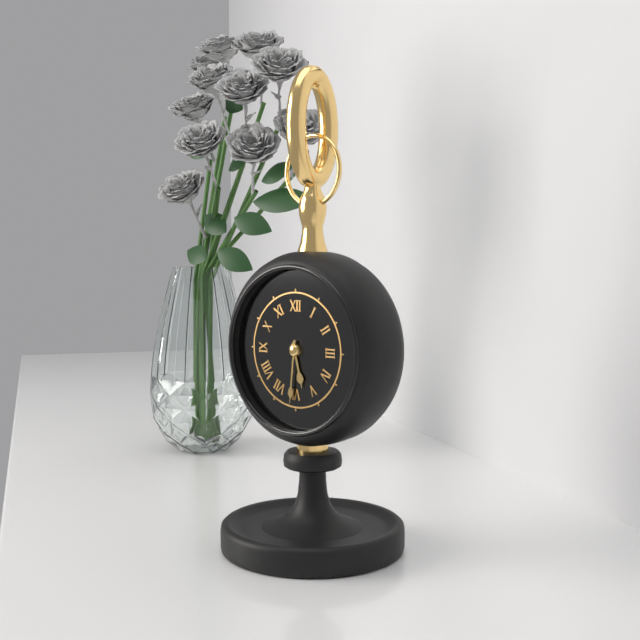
{"hour": 5, "minute": 31}
